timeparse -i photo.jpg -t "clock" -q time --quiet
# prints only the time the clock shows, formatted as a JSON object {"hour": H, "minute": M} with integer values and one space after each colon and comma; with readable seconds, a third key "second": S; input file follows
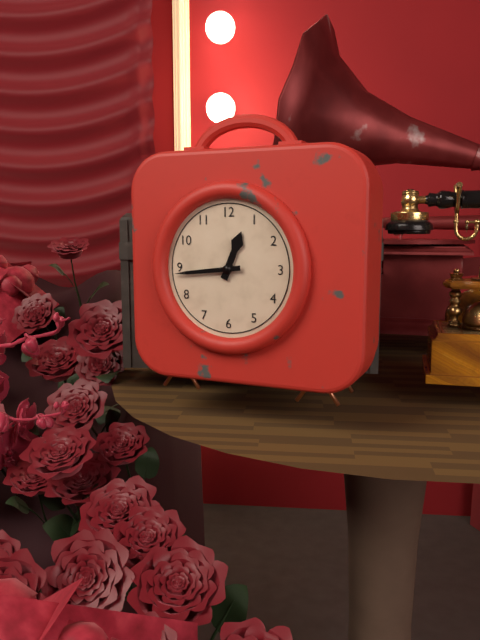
{"hour": 12, "minute": 44}
